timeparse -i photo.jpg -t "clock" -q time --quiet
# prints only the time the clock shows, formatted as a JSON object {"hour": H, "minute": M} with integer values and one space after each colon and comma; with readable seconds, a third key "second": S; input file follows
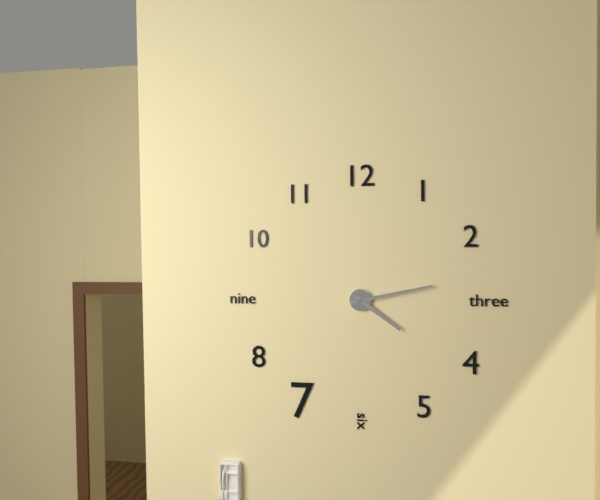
{"hour": 4, "minute": 13}
